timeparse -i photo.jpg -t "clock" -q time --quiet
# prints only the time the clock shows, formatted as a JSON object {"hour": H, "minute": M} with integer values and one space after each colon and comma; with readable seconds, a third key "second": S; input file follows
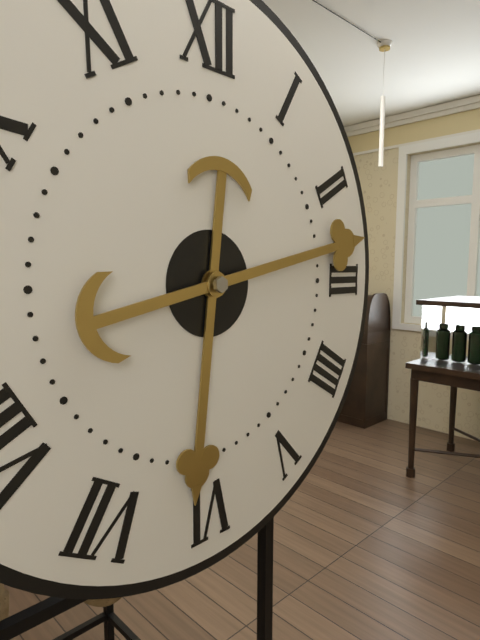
{"hour": 6, "minute": 13}
